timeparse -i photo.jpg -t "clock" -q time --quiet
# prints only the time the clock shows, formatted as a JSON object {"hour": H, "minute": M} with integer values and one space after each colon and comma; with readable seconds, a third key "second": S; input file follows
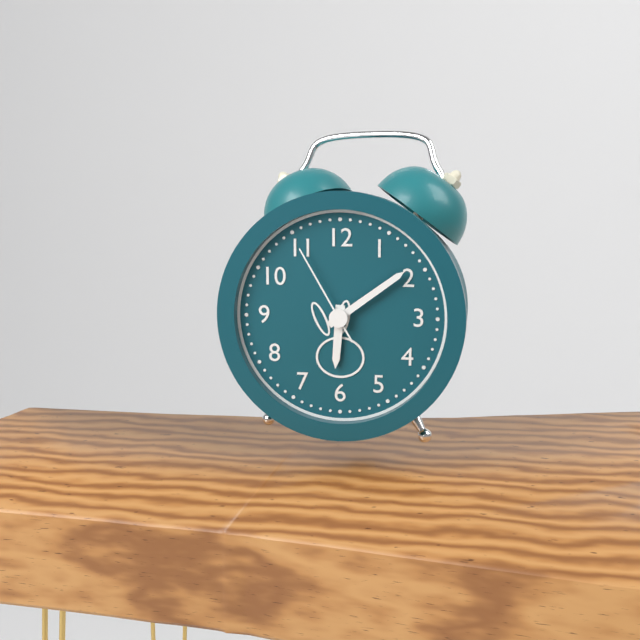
{"hour": 6, "minute": 9, "second": 55}
